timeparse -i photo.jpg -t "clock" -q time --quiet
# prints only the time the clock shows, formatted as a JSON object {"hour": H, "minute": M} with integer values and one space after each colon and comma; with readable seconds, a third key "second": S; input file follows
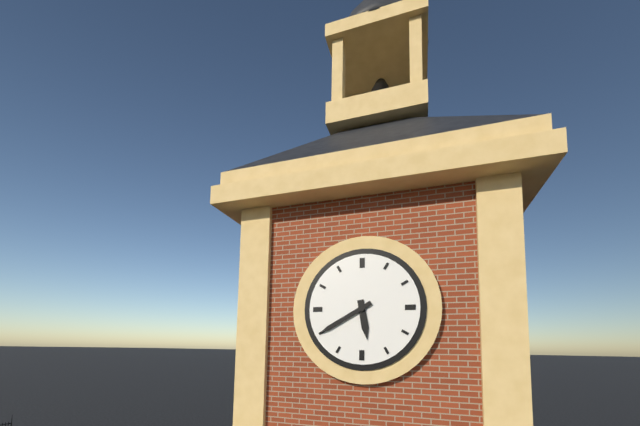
{"hour": 5, "minute": 40}
